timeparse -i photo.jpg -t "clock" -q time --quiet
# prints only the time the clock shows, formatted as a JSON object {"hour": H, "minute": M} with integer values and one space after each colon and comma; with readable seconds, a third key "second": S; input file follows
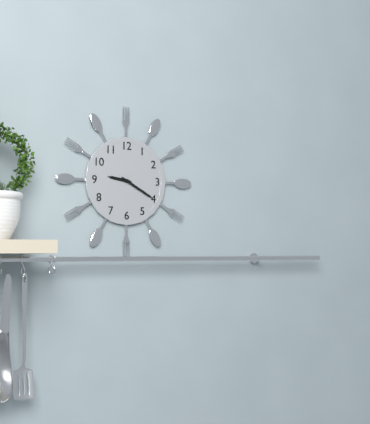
{"hour": 9, "minute": 20}
